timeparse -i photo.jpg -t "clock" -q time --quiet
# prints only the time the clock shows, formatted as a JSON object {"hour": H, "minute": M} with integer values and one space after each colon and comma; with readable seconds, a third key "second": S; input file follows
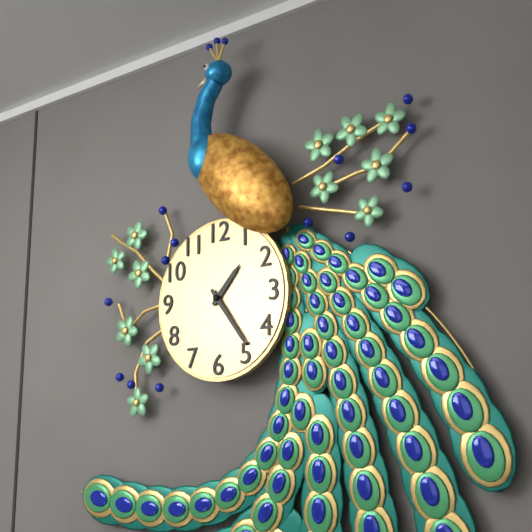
{"hour": 1, "minute": 24}
